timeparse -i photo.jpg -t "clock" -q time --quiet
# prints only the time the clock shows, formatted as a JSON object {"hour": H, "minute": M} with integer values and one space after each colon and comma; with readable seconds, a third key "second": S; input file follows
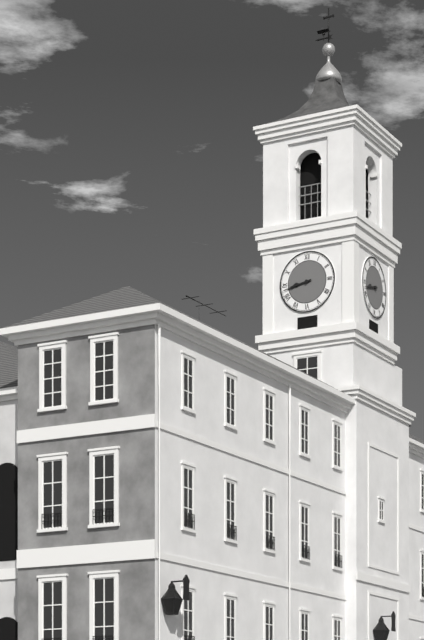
{"hour": 8, "minute": 43}
